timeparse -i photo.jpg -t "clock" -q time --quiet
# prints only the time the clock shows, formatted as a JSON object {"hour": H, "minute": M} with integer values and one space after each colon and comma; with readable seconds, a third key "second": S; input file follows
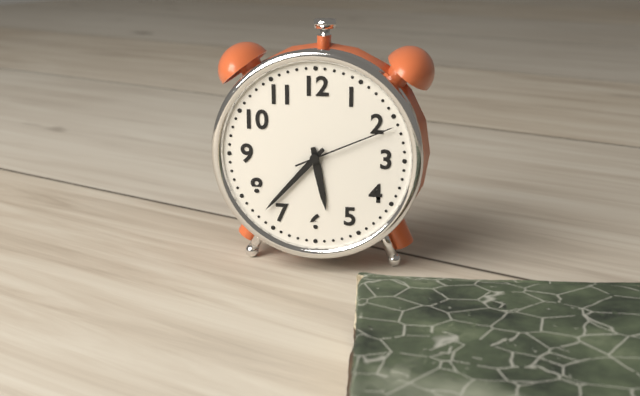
{"hour": 5, "minute": 37, "second": 11}
